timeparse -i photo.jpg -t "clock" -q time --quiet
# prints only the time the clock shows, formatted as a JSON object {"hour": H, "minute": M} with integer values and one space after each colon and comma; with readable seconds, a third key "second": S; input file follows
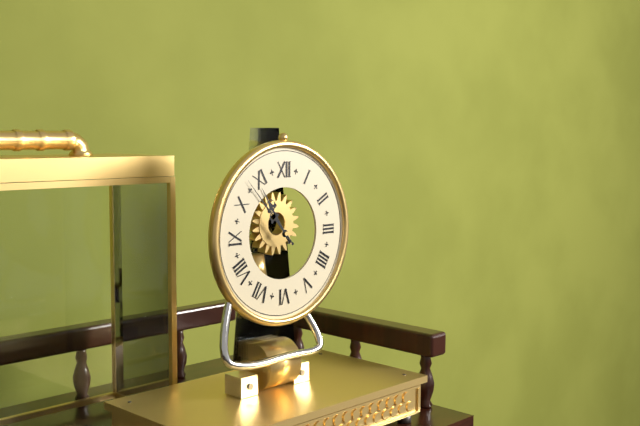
{"hour": 10, "minute": 53}
